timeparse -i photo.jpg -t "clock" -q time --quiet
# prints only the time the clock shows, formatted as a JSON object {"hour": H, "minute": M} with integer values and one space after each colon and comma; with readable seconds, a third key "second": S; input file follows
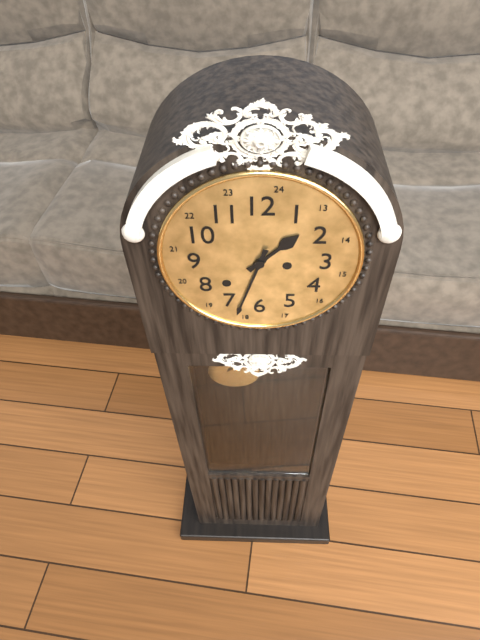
{"hour": 1, "minute": 33}
